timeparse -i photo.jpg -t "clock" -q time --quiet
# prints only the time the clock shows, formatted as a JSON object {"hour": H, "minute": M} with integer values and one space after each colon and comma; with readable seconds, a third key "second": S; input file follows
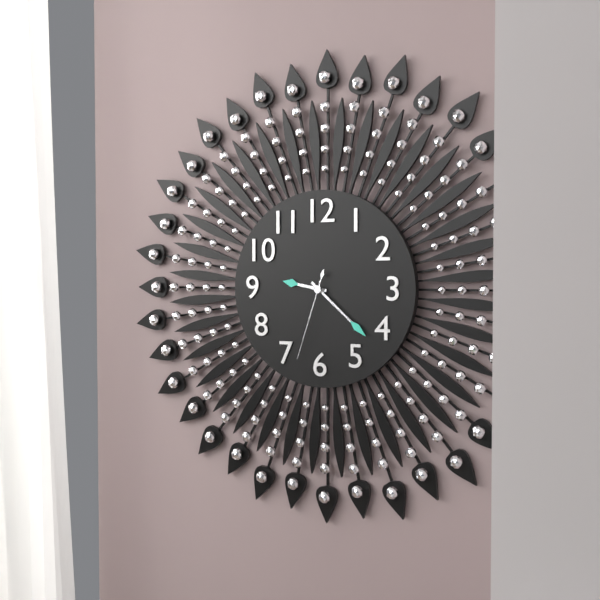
{"hour": 9, "minute": 22, "second": 33}
